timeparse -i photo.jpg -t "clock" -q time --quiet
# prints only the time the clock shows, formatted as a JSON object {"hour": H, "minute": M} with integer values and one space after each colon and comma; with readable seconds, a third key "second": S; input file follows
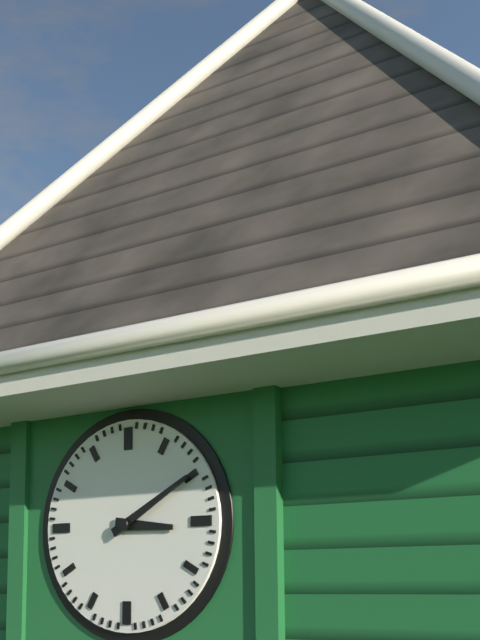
{"hour": 3, "minute": 10}
